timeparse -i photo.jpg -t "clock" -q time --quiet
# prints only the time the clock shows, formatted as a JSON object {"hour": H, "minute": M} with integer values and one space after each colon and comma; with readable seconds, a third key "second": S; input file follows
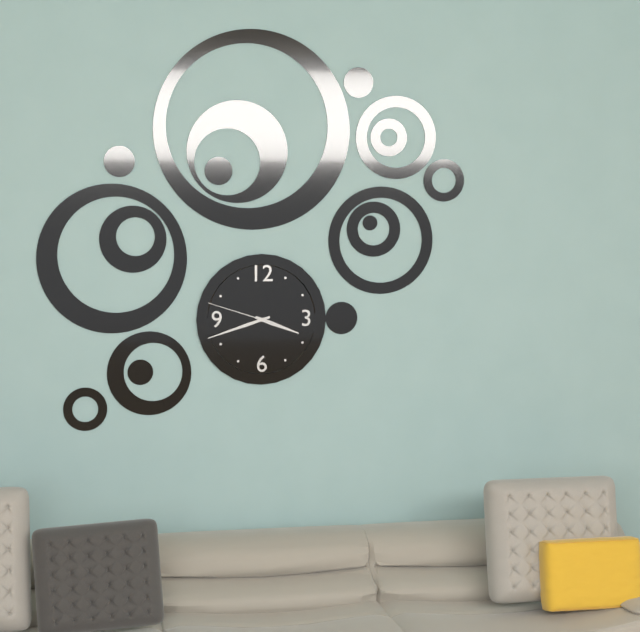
{"hour": 3, "minute": 42, "second": 48}
